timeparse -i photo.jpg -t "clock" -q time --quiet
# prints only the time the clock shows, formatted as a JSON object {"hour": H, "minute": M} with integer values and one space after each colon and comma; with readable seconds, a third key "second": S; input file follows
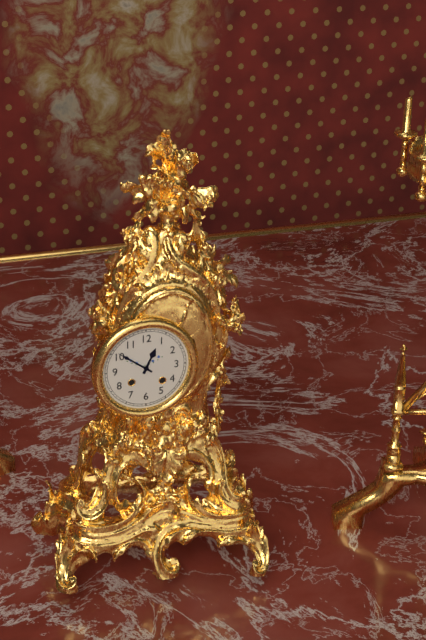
{"hour": 12, "minute": 51}
